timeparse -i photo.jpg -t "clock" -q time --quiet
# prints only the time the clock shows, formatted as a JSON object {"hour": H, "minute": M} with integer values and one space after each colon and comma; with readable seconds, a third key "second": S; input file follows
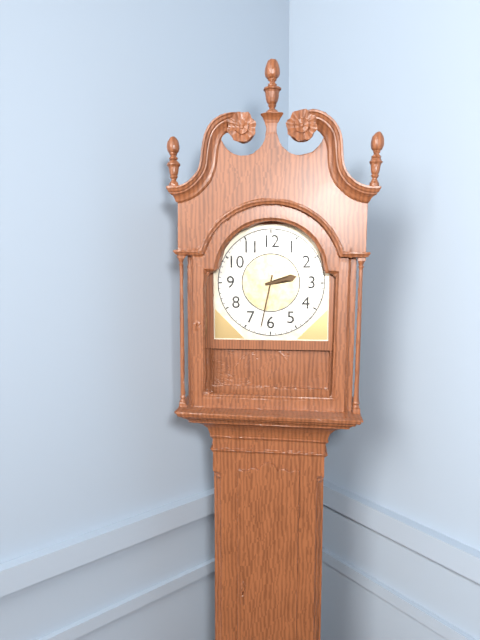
{"hour": 2, "minute": 32}
